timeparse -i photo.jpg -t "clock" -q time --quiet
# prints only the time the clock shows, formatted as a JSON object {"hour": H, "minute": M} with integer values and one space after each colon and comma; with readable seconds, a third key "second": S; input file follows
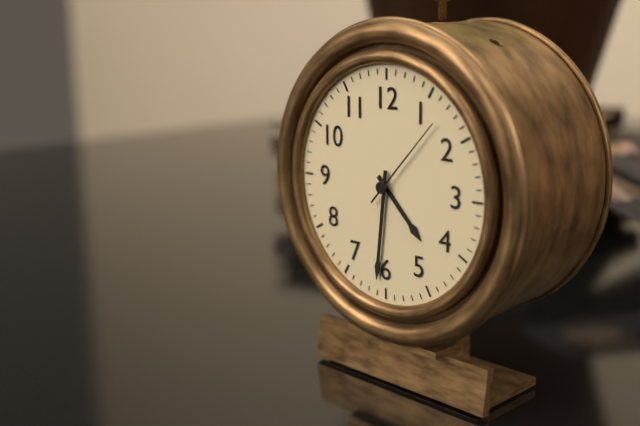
{"hour": 4, "minute": 31, "second": 7}
